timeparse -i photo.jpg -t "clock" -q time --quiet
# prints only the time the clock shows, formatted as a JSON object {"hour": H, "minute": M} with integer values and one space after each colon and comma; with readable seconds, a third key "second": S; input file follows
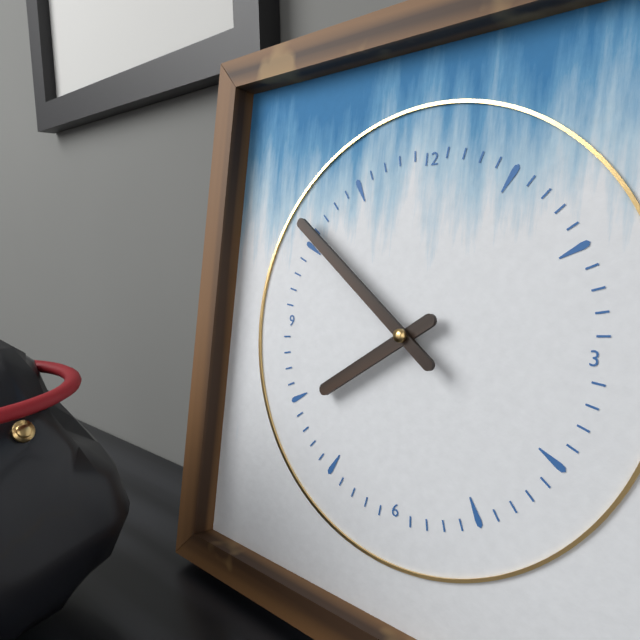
{"hour": 7, "minute": 51}
